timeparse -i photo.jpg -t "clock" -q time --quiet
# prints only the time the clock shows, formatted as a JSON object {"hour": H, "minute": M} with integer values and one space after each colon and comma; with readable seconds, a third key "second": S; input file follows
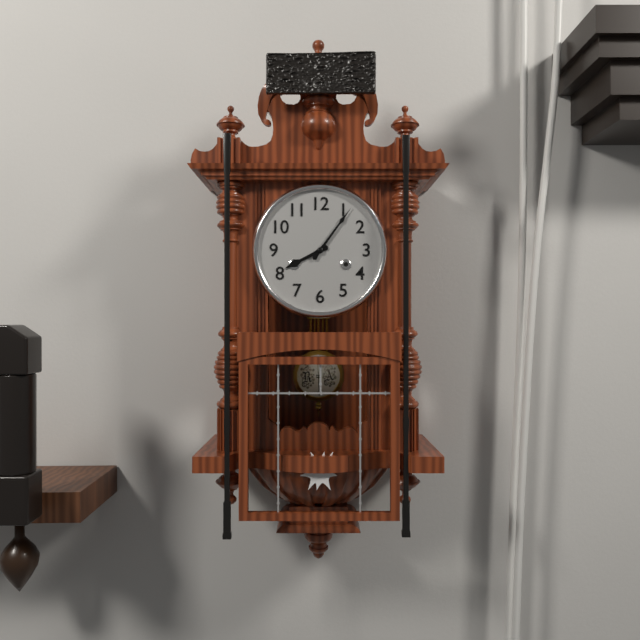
{"hour": 8, "minute": 6}
